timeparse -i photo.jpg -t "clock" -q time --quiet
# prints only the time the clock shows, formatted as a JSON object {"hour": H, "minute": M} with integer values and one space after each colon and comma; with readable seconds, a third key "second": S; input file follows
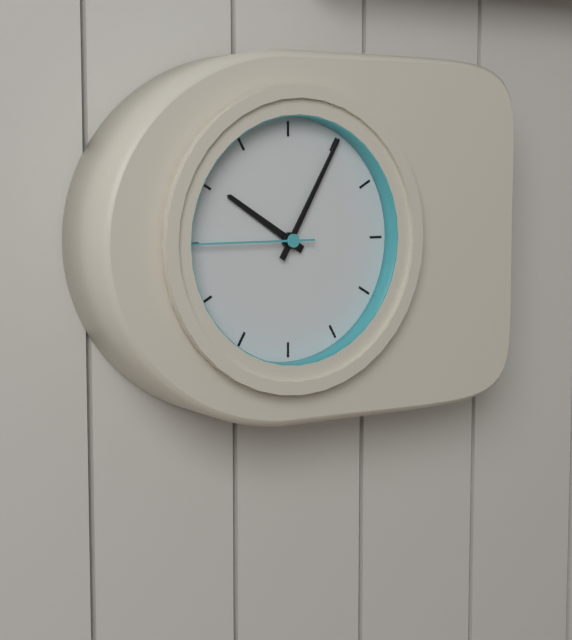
{"hour": 10, "minute": 5, "second": 45}
